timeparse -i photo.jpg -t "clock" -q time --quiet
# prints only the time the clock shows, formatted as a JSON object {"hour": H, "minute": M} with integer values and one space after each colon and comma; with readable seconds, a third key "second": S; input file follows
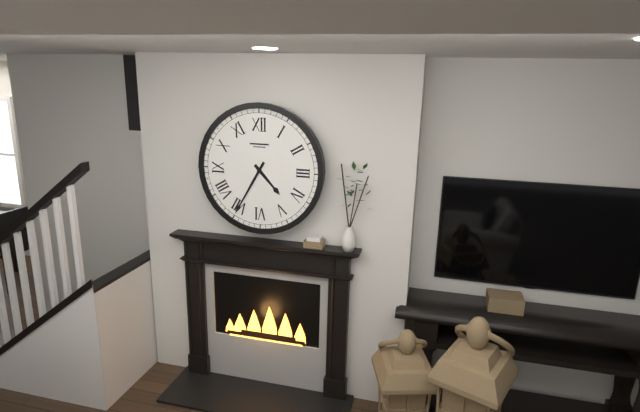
{"hour": 4, "minute": 35}
